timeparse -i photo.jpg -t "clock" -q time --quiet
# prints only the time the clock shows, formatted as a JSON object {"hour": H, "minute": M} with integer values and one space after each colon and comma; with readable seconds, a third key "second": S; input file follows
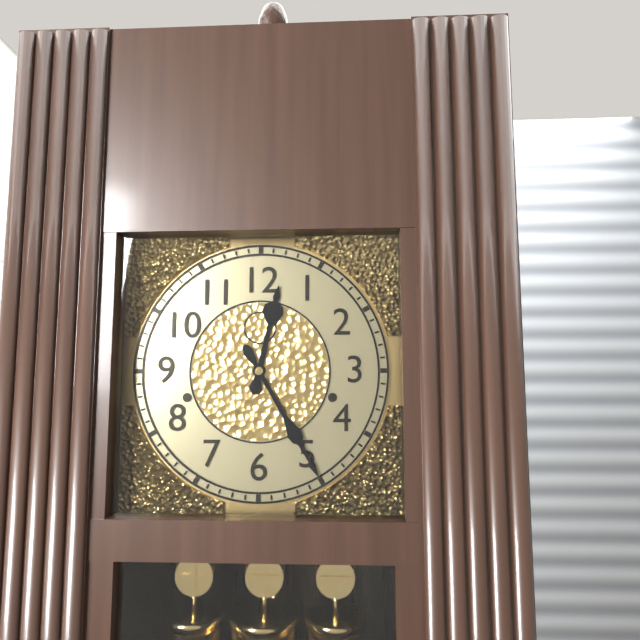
{"hour": 12, "minute": 25}
